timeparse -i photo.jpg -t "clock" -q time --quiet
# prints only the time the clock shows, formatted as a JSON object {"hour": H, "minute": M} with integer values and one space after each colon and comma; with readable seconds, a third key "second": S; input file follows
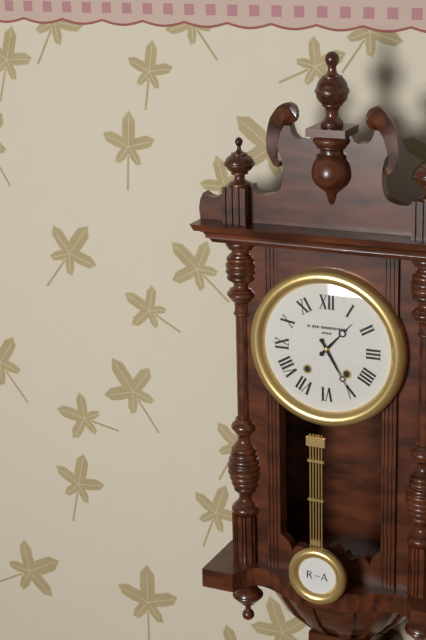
{"hour": 1, "minute": 25}
